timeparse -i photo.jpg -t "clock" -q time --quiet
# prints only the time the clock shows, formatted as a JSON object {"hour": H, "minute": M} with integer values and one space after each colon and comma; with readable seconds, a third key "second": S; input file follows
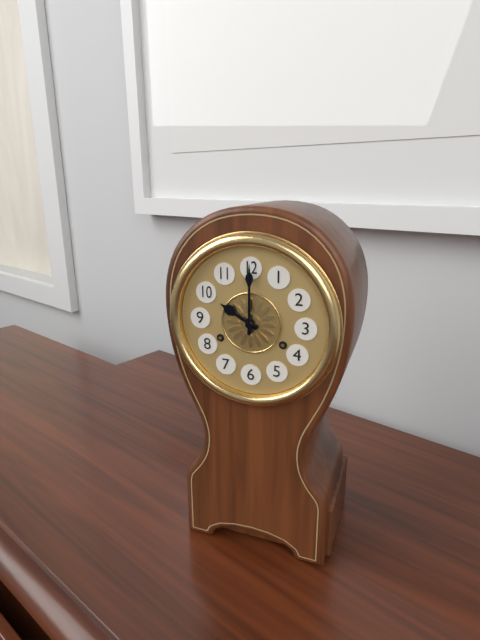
{"hour": 10, "minute": 0}
